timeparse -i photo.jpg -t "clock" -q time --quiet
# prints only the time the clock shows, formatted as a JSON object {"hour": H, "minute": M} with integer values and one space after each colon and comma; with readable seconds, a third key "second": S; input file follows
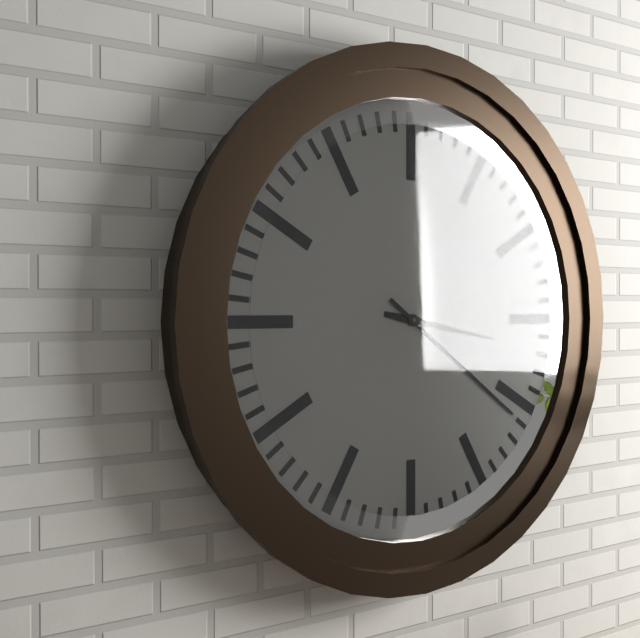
{"hour": 3, "minute": 21}
